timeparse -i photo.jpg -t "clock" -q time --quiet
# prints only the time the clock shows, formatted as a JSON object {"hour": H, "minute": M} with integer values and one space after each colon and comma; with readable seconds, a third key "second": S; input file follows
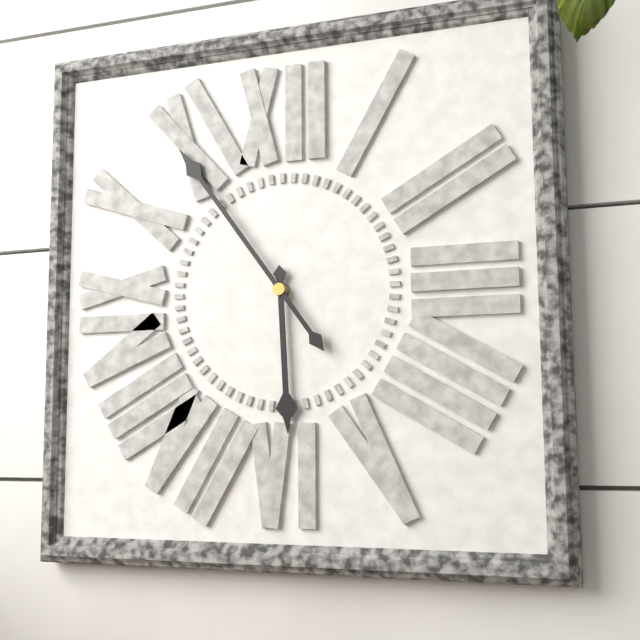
{"hour": 5, "minute": 54}
